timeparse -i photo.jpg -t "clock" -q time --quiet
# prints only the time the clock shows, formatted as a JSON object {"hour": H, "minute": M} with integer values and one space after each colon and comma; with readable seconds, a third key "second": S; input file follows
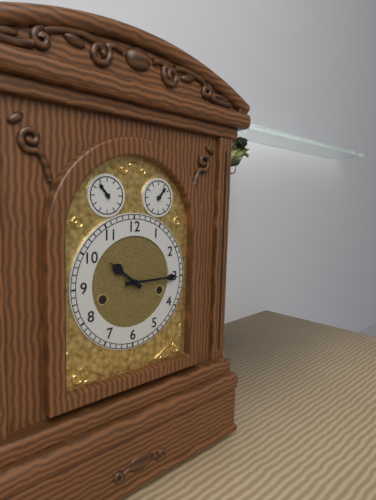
{"hour": 10, "minute": 15}
